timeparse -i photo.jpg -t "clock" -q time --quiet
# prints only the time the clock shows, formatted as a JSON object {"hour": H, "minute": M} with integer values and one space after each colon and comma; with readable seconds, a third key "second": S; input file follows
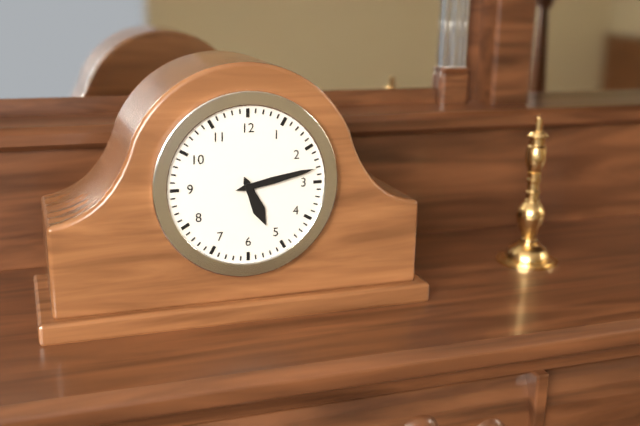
{"hour": 5, "minute": 13}
